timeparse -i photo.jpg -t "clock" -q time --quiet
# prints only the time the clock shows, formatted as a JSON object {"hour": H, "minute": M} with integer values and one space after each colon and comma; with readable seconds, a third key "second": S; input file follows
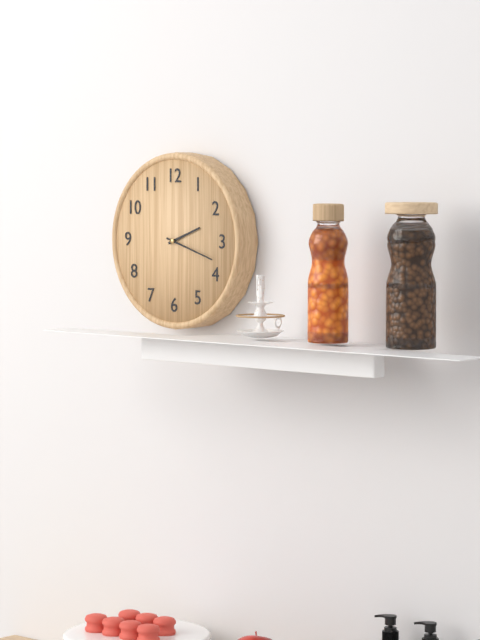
{"hour": 2, "minute": 18}
